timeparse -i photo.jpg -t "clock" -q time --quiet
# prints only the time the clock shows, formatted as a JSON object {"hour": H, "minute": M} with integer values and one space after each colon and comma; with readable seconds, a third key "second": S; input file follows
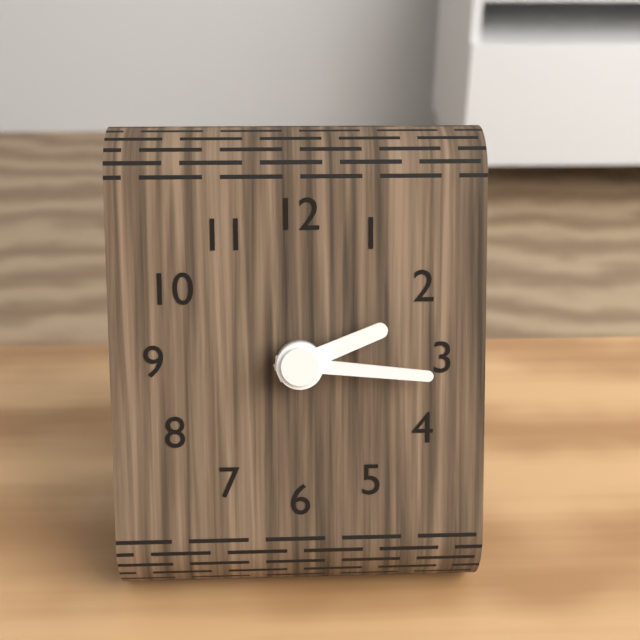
{"hour": 2, "minute": 16}
